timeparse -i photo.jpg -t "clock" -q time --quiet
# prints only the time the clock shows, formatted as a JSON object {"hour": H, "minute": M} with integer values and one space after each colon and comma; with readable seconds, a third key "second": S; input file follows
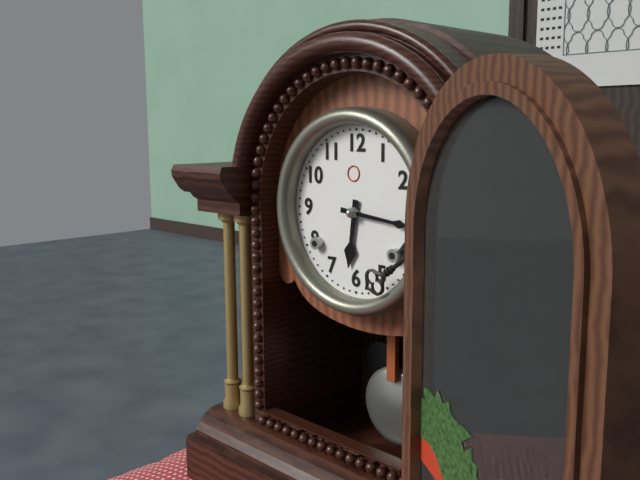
{"hour": 6, "minute": 16}
